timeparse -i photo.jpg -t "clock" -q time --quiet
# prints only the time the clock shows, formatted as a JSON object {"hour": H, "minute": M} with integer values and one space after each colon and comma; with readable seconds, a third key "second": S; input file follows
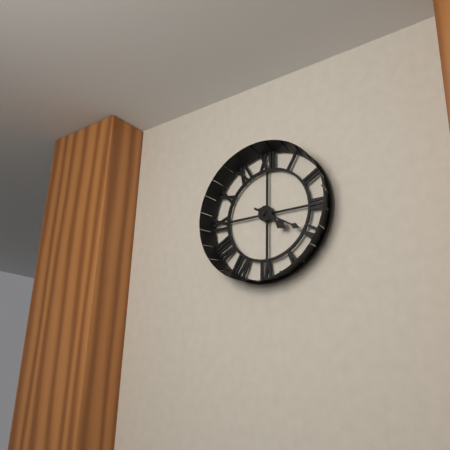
{"hour": 4, "minute": 20}
